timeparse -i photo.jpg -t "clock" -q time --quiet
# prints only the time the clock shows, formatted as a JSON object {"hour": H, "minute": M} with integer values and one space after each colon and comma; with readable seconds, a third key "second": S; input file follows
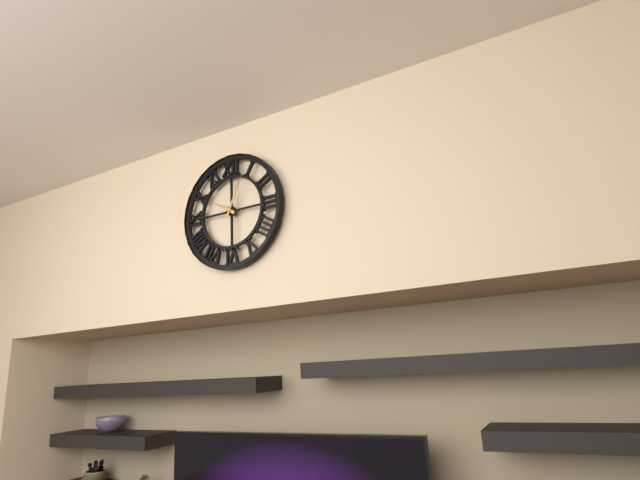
{"hour": 10, "minute": 4}
